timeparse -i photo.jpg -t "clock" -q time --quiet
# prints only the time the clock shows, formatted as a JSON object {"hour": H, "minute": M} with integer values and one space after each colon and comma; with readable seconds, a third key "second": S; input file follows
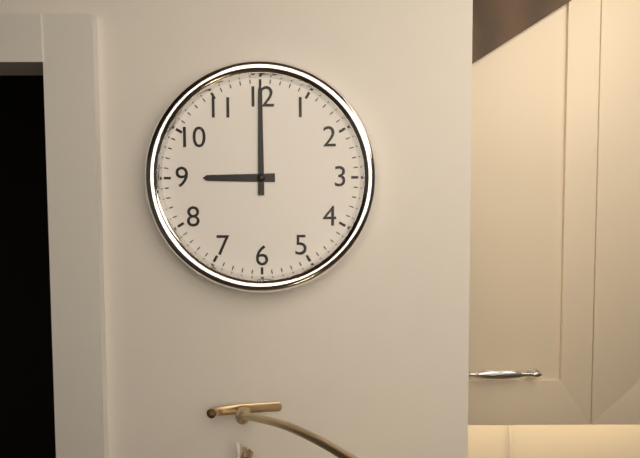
{"hour": 9, "minute": 0}
